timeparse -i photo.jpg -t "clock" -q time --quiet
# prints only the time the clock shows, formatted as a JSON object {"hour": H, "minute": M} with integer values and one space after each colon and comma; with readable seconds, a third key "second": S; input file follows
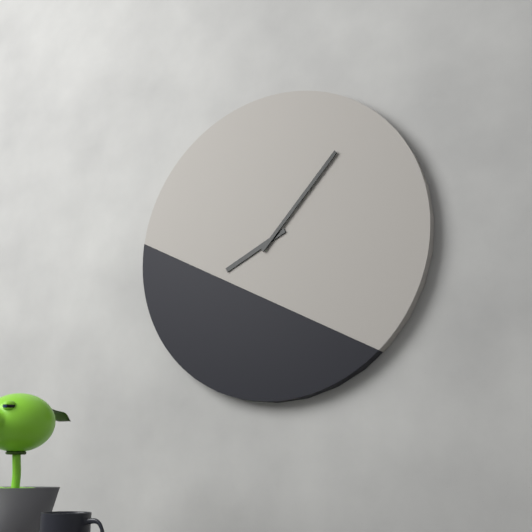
{"hour": 8, "minute": 7}
